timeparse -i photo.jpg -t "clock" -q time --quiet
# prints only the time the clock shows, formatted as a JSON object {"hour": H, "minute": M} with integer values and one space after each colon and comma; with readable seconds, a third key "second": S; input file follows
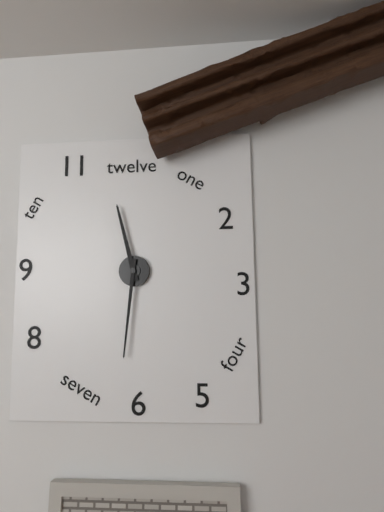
{"hour": 11, "minute": 31}
